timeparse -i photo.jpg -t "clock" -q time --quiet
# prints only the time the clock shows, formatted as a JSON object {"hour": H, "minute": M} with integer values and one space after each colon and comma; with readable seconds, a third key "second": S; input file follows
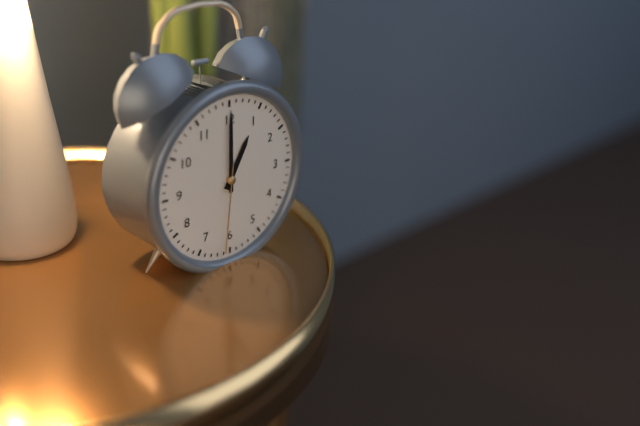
{"hour": 1, "minute": 0, "second": 31}
